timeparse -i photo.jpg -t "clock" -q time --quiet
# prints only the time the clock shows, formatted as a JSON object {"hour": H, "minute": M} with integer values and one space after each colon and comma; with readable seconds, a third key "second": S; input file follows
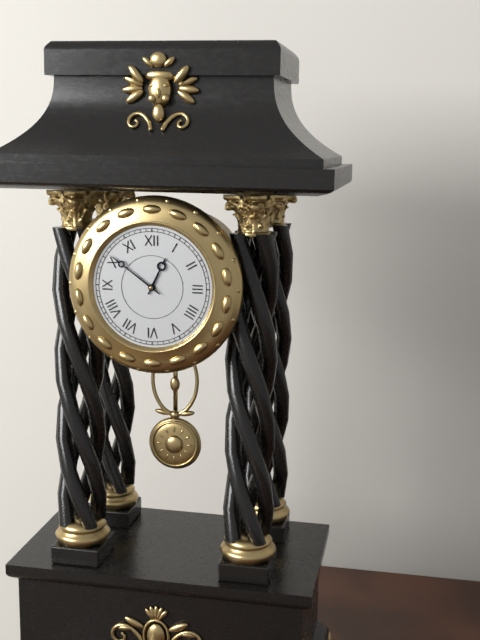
{"hour": 12, "minute": 51}
